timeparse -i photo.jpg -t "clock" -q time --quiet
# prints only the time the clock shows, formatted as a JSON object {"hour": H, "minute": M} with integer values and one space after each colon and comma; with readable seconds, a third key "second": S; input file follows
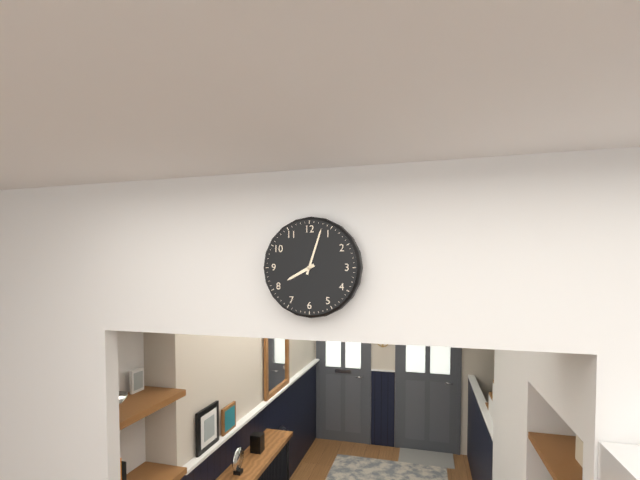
{"hour": 8, "minute": 3}
